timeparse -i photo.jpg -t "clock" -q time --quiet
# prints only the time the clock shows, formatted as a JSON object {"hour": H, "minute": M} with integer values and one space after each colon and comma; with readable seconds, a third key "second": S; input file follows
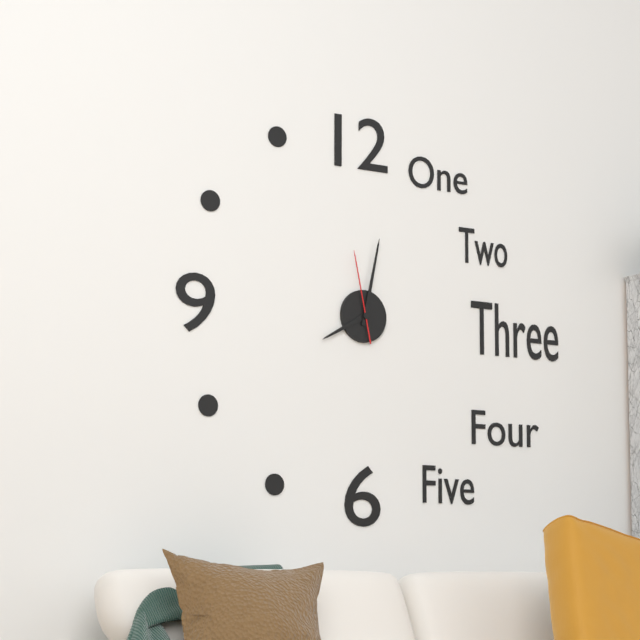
{"hour": 8, "minute": 2, "second": 58}
